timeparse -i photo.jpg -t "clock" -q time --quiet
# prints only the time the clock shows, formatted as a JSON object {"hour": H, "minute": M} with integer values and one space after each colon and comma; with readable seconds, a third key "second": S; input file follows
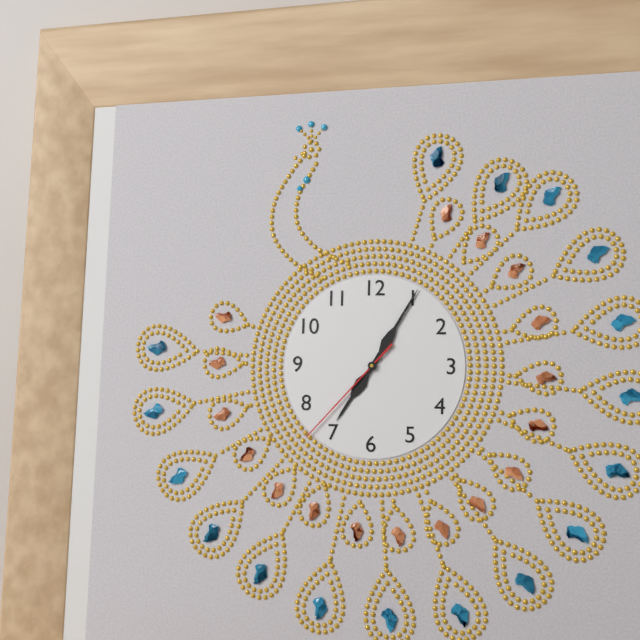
{"hour": 7, "minute": 5, "second": 37}
